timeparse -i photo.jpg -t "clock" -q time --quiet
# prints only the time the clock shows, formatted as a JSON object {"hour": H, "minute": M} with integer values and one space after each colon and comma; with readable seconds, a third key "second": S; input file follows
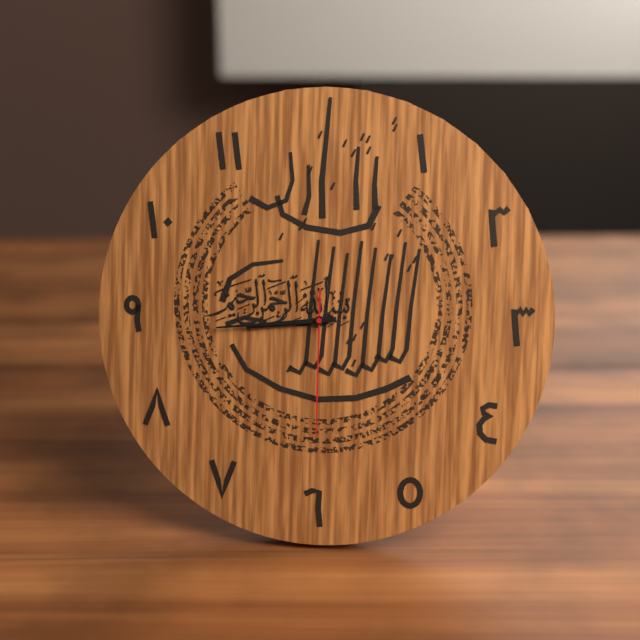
{"hour": 8, "minute": 44, "second": 30}
